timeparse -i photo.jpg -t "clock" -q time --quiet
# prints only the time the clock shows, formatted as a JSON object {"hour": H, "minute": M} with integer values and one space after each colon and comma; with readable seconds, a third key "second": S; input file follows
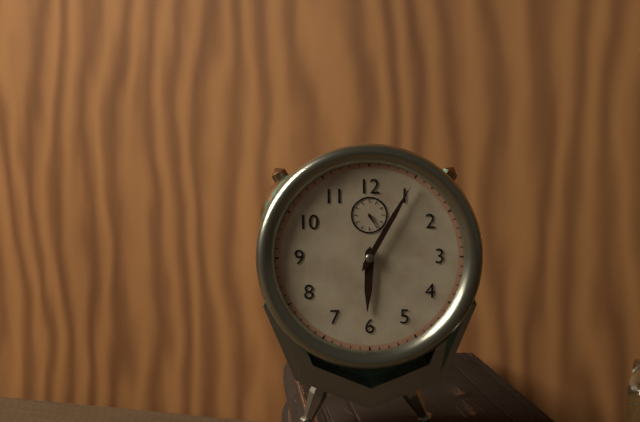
{"hour": 6, "minute": 5}
